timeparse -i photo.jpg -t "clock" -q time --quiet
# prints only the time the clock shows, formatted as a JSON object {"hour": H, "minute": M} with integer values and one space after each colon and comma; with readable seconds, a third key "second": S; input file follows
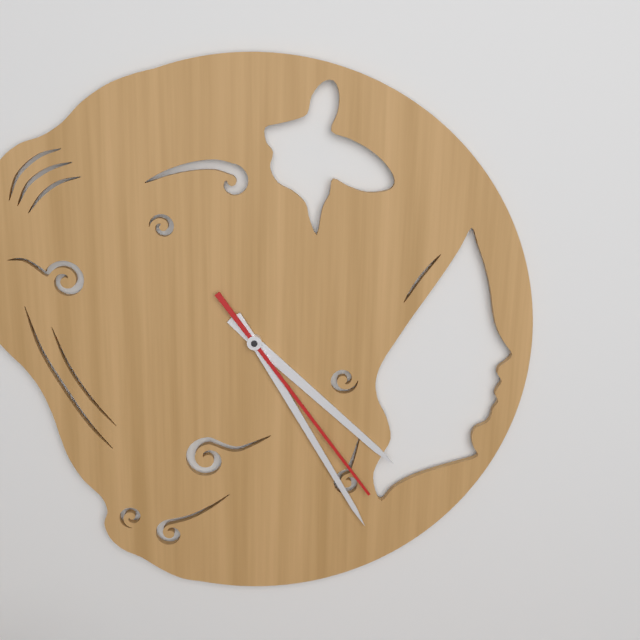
{"hour": 4, "minute": 25, "second": 24}
